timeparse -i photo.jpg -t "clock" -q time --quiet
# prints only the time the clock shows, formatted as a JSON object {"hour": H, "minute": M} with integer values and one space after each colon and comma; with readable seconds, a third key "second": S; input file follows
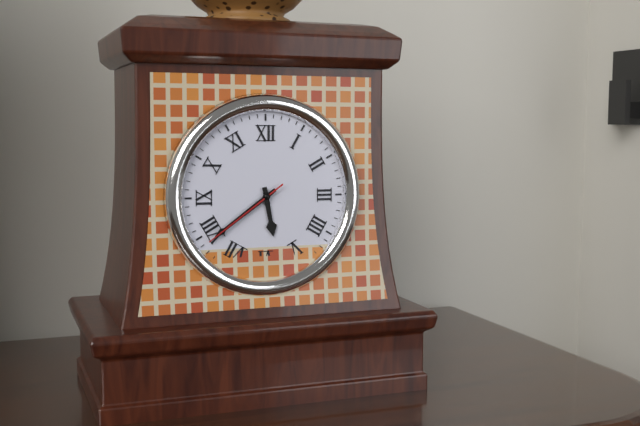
{"hour": 5, "minute": 39, "second": 39}
